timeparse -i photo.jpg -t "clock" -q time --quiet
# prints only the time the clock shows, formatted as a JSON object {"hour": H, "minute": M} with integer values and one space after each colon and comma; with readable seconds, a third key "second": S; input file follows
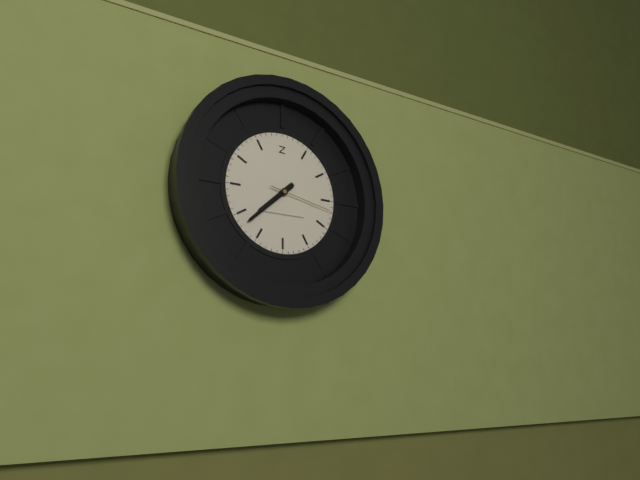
{"hour": 7, "minute": 38, "second": 17}
